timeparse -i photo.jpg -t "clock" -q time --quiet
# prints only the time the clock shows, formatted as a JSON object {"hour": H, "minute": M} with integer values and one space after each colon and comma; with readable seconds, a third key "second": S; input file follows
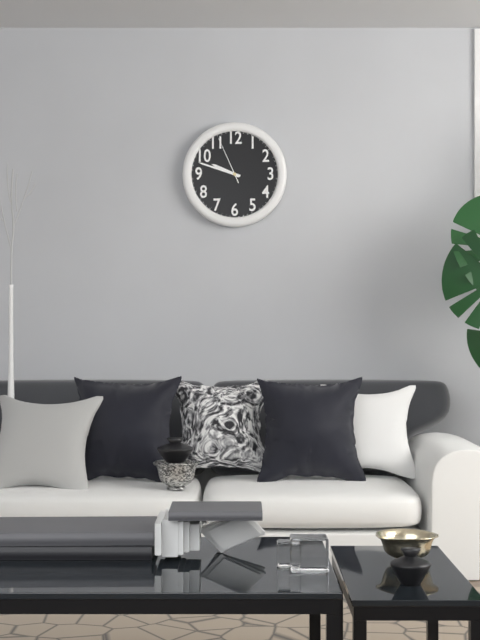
{"hour": 9, "minute": 48, "second": 56}
